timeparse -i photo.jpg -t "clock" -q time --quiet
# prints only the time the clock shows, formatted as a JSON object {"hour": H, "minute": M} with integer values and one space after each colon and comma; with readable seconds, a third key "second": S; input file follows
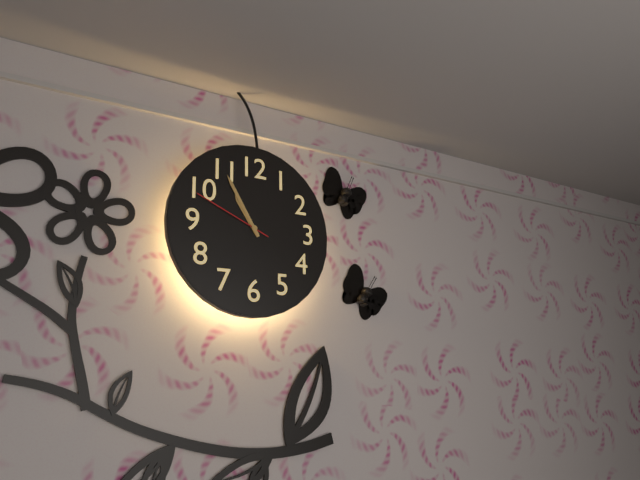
{"hour": 10, "minute": 55, "second": 49}
